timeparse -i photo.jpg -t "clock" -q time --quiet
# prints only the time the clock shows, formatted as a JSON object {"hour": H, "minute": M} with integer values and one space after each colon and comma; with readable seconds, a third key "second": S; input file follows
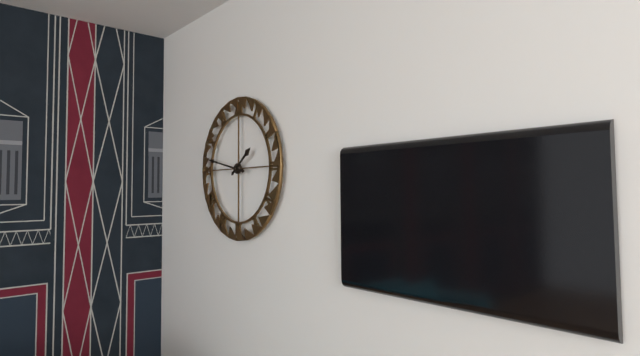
{"hour": 1, "minute": 47}
